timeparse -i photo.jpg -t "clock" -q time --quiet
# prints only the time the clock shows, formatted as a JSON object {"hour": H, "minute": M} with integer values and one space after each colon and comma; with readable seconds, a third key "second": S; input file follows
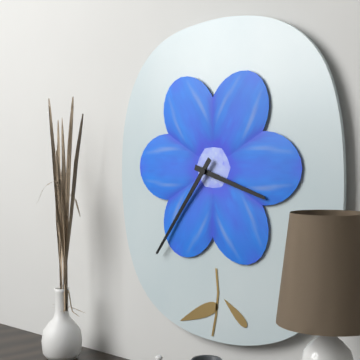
{"hour": 3, "minute": 36}
